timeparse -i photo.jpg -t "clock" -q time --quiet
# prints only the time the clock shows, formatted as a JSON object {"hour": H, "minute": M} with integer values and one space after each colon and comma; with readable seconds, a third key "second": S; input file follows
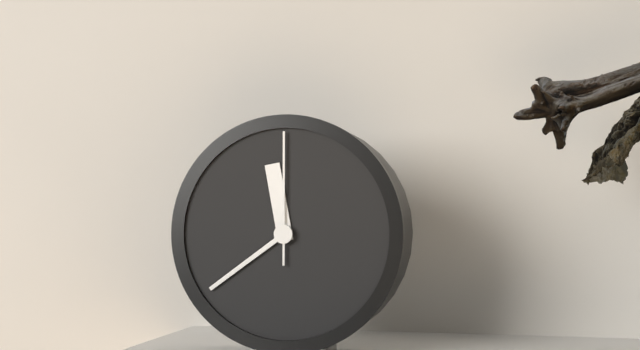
{"hour": 11, "minute": 39, "second": 0}
